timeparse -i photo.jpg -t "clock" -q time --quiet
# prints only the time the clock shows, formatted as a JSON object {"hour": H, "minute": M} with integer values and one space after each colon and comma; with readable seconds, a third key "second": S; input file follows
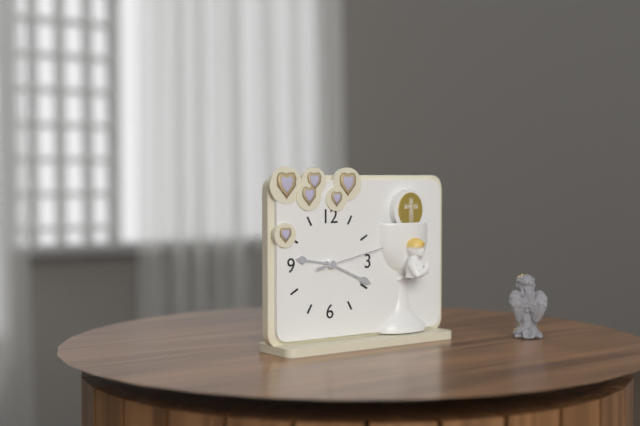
{"hour": 9, "minute": 19, "second": 13}
